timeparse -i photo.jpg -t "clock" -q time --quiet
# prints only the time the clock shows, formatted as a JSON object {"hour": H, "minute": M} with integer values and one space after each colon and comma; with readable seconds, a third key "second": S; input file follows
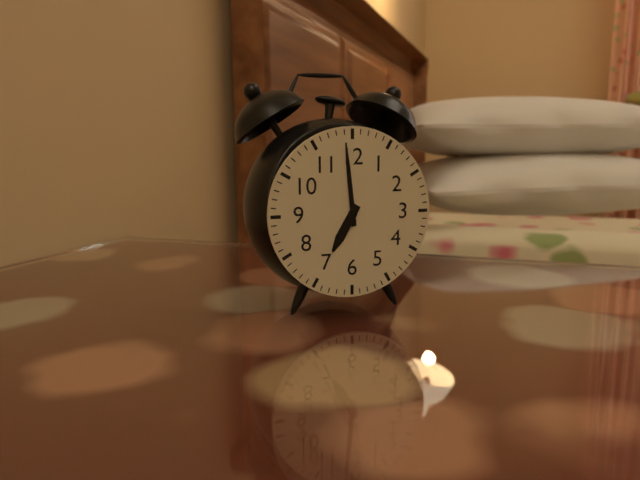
{"hour": 6, "minute": 59}
